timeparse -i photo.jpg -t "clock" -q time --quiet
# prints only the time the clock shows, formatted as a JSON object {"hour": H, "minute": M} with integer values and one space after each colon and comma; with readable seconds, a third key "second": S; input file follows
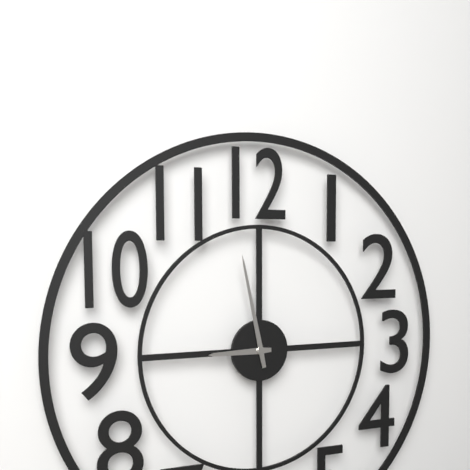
{"hour": 8, "minute": 58}
